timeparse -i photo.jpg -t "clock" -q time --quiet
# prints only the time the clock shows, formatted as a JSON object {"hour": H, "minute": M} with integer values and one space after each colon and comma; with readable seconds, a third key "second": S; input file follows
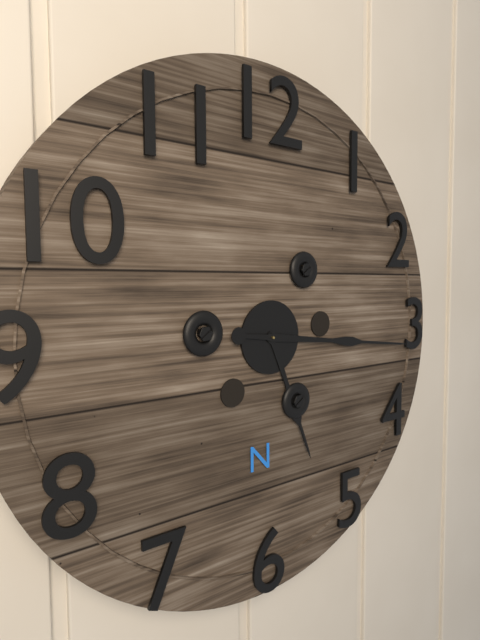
{"hour": 5, "minute": 16}
